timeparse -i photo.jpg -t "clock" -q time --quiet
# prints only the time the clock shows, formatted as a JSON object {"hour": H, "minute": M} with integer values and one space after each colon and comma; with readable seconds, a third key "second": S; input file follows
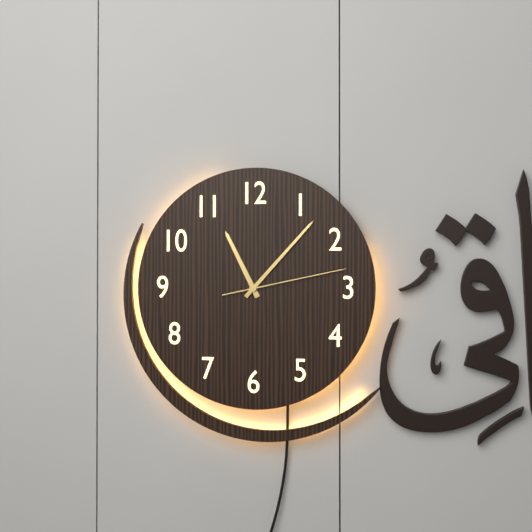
{"hour": 11, "minute": 7, "second": 13}
